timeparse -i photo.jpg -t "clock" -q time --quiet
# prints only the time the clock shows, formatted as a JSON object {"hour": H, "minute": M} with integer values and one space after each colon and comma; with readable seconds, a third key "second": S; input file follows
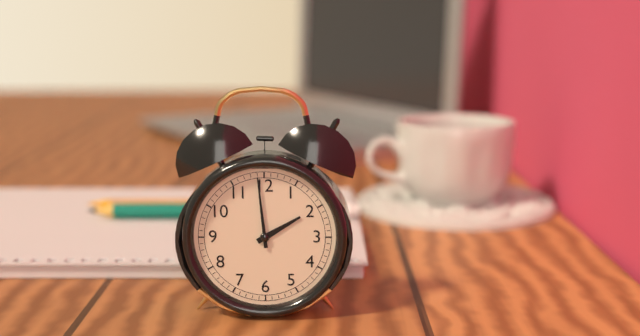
{"hour": 1, "minute": 59}
